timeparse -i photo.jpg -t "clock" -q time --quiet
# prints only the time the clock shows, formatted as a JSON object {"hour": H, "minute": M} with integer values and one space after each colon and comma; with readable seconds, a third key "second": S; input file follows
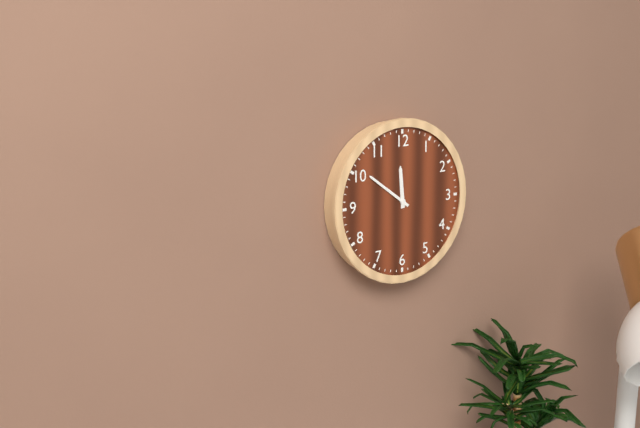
{"hour": 11, "minute": 51}
